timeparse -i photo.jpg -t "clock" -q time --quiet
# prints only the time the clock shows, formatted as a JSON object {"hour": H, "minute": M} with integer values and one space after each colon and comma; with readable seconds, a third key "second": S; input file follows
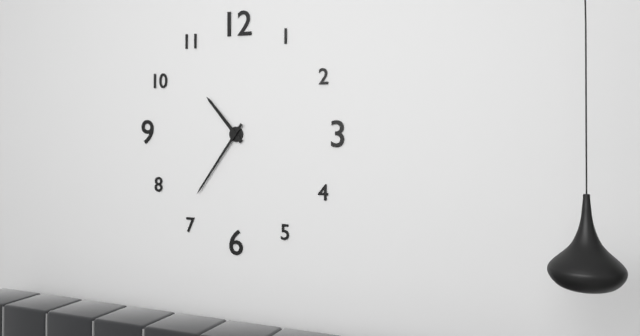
{"hour": 10, "minute": 36}
